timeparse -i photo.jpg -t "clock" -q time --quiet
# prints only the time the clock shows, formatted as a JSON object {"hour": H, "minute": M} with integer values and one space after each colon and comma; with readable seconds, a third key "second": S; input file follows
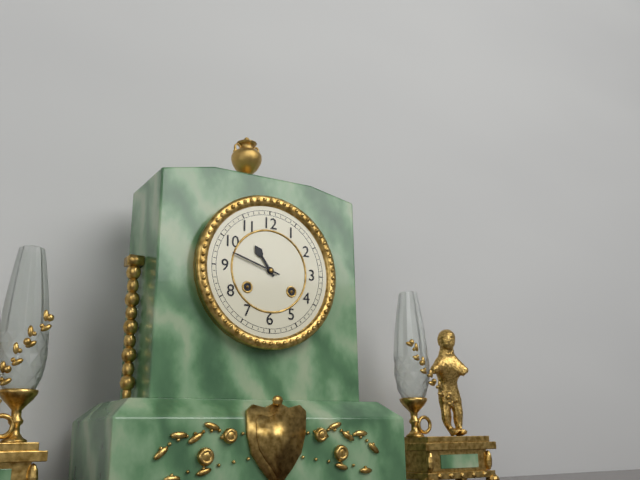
{"hour": 10, "minute": 48}
